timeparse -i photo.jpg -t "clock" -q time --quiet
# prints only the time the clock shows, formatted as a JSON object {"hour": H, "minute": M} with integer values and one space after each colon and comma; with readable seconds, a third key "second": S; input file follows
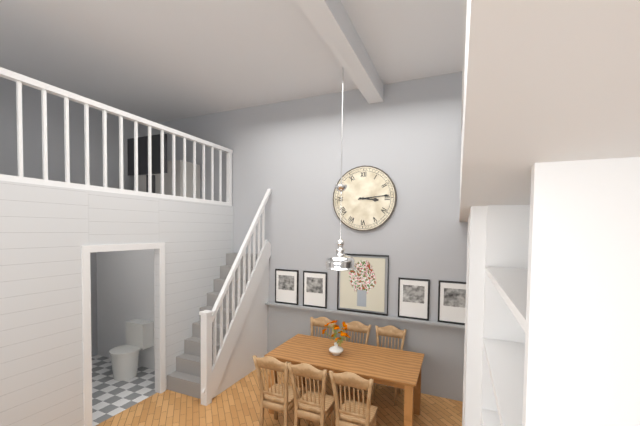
{"hour": 3, "minute": 14}
